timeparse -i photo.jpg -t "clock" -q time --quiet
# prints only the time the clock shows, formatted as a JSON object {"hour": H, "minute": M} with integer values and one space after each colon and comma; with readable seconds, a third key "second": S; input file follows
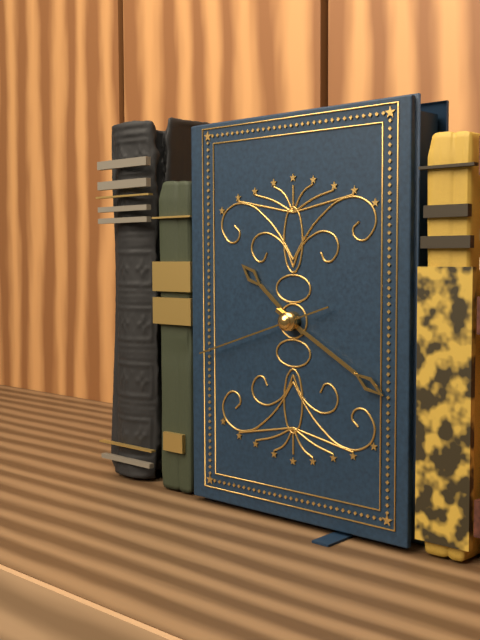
{"hour": 10, "minute": 20, "second": 42}
